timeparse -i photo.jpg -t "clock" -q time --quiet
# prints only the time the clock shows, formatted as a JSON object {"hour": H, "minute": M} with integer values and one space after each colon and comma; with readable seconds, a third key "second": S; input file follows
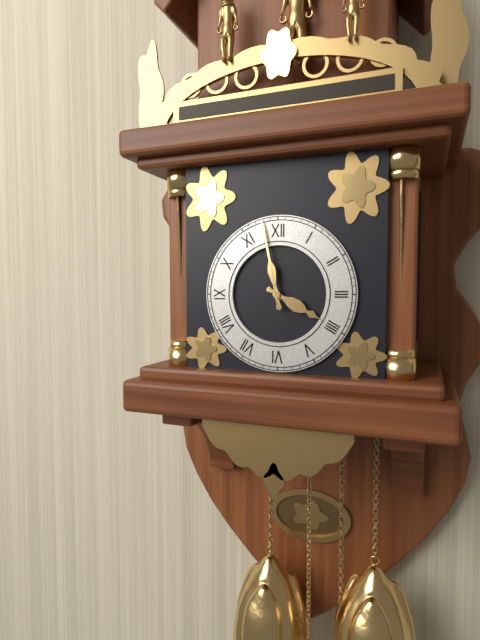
{"hour": 3, "minute": 58}
